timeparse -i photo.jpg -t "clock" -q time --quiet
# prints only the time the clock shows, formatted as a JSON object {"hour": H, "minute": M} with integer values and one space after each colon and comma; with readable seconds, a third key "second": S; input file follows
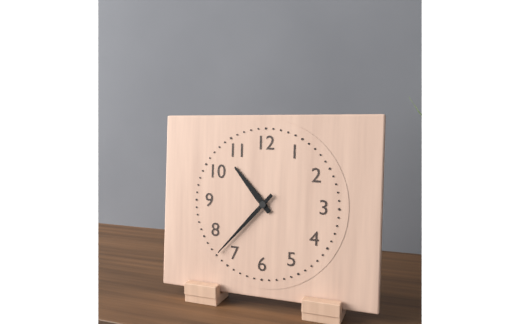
{"hour": 10, "minute": 37}
